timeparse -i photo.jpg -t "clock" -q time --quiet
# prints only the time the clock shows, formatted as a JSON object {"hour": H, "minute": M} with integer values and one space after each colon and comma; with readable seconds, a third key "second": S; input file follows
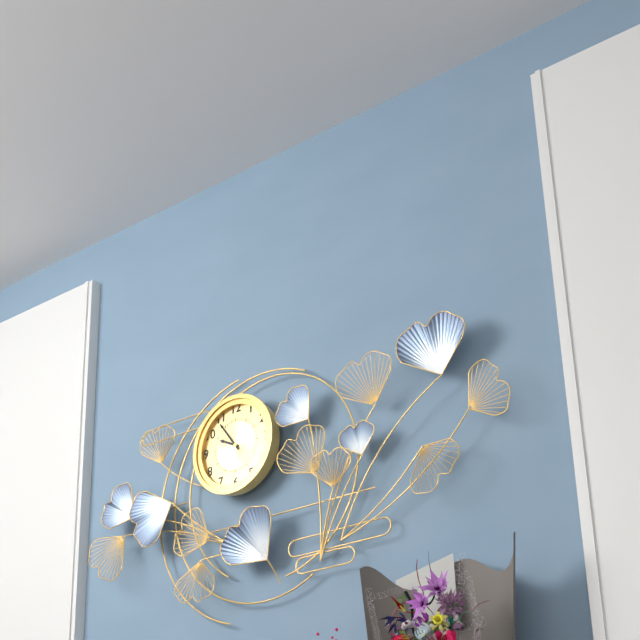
{"hour": 9, "minute": 54}
